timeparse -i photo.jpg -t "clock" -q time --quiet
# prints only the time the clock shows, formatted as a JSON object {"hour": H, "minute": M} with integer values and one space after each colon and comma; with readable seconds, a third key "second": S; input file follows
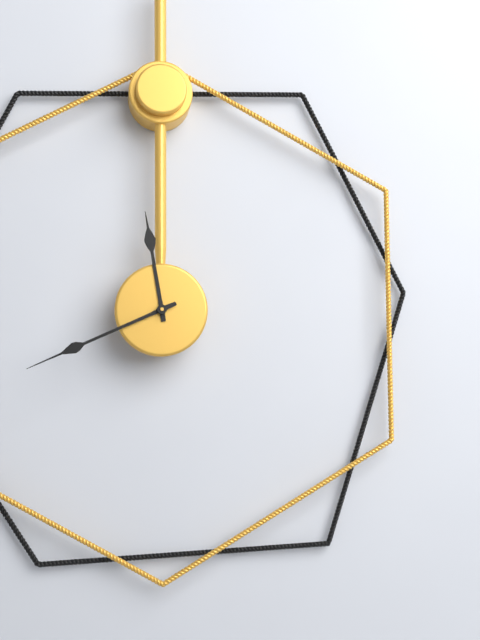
{"hour": 11, "minute": 41}
